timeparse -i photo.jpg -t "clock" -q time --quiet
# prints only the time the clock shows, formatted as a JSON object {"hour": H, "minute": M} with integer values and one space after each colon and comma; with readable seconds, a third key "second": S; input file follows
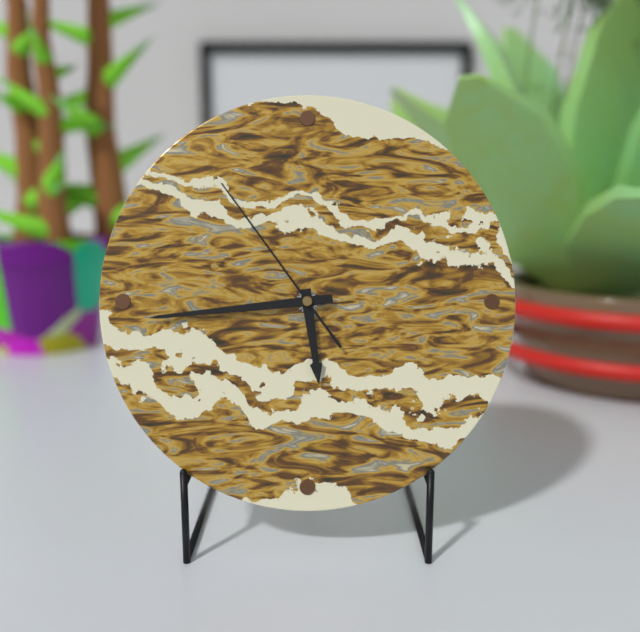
{"hour": 5, "minute": 44, "second": 54}
